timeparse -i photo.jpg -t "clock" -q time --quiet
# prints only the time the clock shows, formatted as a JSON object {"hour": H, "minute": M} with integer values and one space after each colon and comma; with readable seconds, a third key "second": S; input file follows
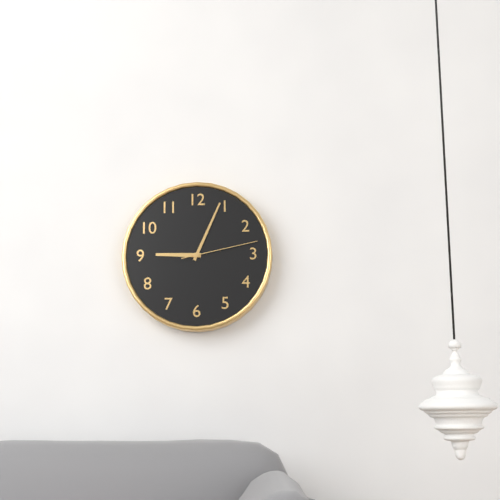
{"hour": 9, "minute": 4, "second": 13}
